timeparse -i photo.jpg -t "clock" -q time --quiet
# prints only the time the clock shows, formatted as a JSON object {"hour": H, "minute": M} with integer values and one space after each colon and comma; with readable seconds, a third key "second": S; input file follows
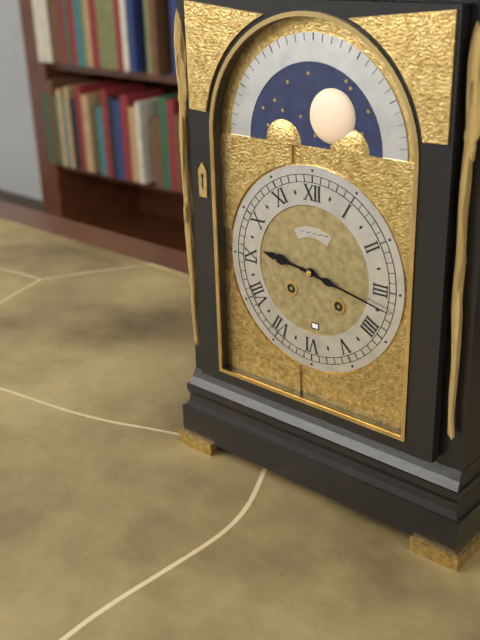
{"hour": 9, "minute": 17}
